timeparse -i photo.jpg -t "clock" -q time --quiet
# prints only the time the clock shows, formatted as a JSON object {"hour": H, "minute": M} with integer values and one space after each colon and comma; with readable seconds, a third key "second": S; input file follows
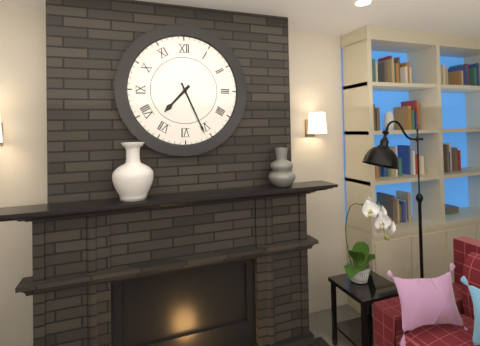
{"hour": 7, "minute": 26}
